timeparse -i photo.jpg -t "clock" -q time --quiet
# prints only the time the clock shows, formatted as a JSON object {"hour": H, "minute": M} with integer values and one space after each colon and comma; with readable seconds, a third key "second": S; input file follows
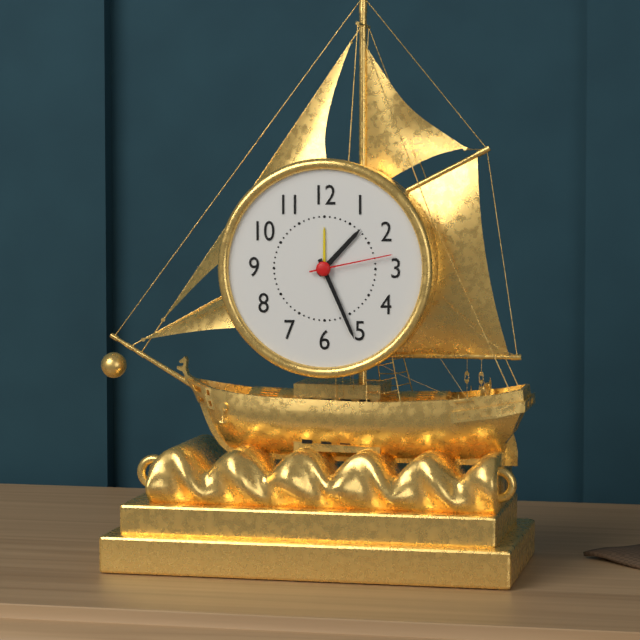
{"hour": 1, "minute": 26, "second": 13}
